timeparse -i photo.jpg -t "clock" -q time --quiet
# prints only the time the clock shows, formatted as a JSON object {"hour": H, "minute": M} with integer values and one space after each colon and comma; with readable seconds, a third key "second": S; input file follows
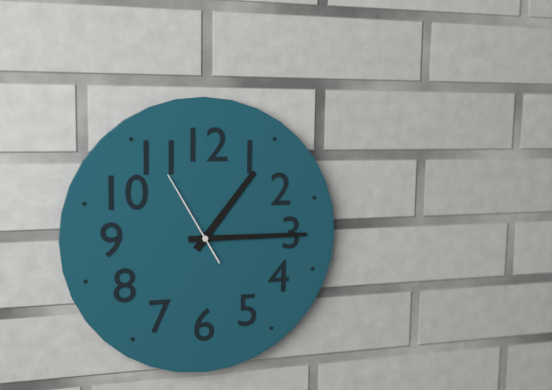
{"hour": 1, "minute": 15, "second": 55}
